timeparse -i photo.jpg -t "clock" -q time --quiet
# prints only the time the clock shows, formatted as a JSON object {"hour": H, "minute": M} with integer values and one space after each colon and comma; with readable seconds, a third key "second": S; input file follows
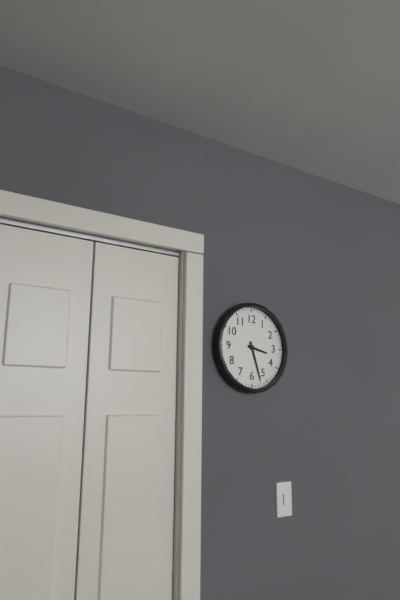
{"hour": 3, "minute": 27}
